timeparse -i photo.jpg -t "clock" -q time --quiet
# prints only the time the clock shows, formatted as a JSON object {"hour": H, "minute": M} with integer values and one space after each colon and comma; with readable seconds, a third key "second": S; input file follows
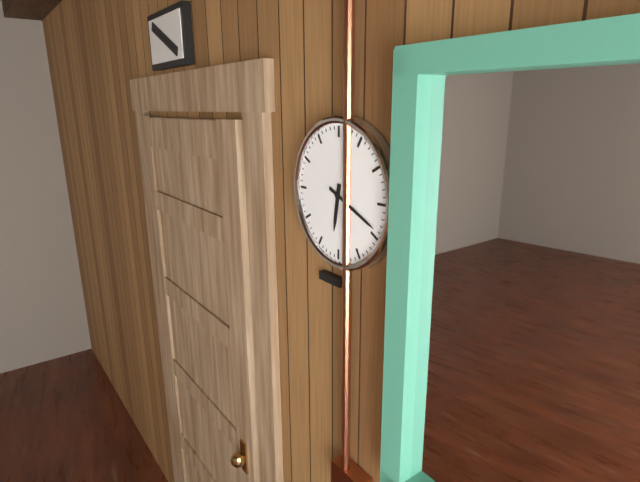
{"hour": 6, "minute": 19}
